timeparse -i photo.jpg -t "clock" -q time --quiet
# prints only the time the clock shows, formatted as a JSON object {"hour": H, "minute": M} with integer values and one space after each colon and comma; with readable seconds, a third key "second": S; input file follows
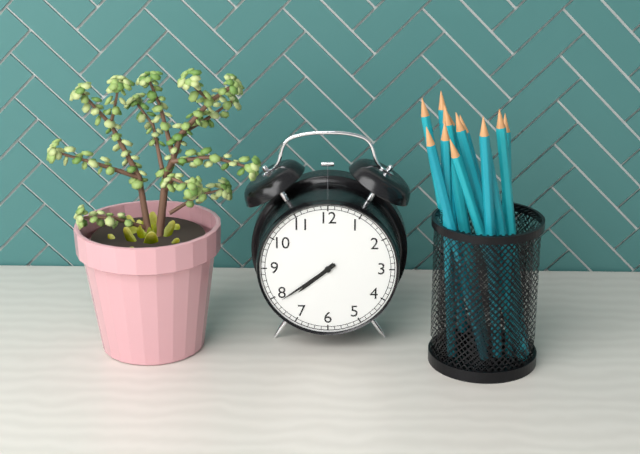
{"hour": 7, "minute": 39}
